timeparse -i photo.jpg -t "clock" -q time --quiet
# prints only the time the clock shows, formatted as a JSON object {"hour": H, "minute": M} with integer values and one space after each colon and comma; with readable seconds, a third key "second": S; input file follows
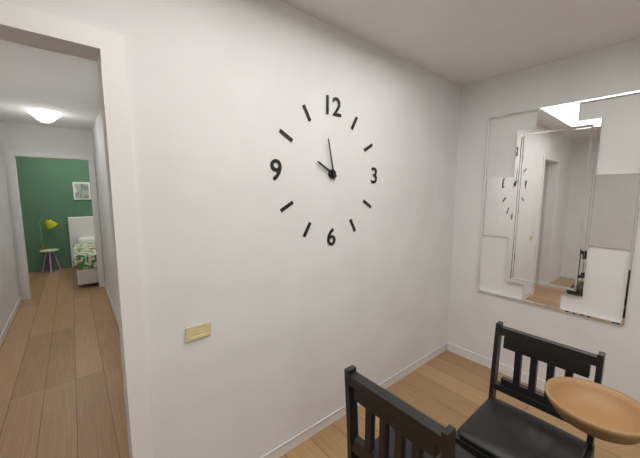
{"hour": 9, "minute": 58}
